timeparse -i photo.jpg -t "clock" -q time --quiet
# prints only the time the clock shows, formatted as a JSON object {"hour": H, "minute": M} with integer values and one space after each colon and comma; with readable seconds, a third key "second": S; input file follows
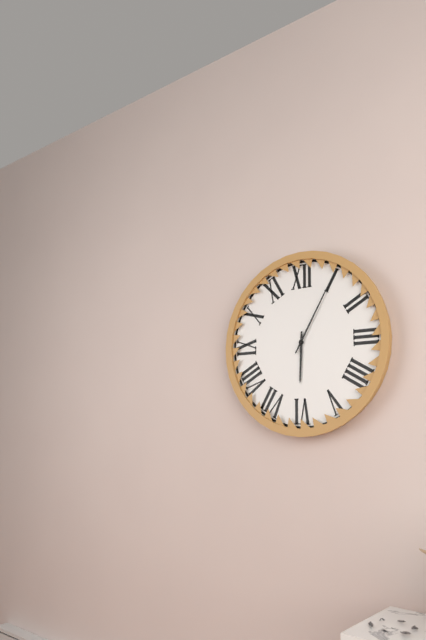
{"hour": 6, "minute": 5}
